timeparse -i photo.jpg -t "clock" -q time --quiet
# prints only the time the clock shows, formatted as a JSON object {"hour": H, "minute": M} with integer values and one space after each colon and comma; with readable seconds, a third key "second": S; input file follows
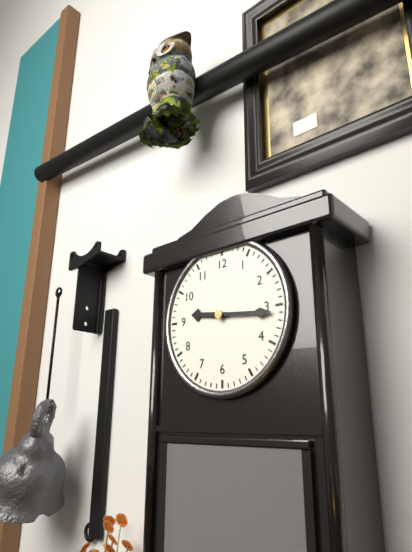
{"hour": 9, "minute": 16}
